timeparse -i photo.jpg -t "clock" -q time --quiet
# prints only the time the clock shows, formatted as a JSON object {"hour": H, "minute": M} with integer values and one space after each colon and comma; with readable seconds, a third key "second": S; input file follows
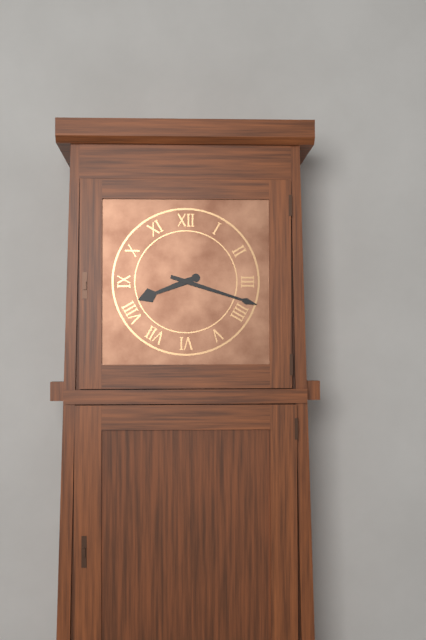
{"hour": 8, "minute": 18}
